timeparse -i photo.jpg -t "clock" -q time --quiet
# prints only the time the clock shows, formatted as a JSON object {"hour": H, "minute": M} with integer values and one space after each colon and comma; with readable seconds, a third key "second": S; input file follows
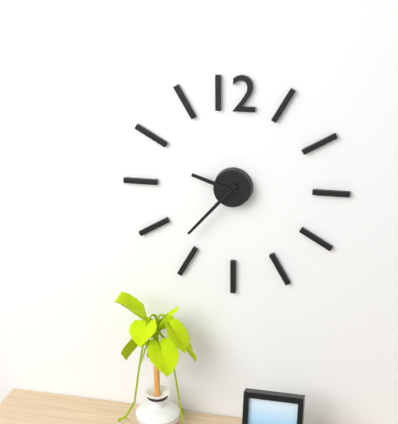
{"hour": 9, "minute": 37}
